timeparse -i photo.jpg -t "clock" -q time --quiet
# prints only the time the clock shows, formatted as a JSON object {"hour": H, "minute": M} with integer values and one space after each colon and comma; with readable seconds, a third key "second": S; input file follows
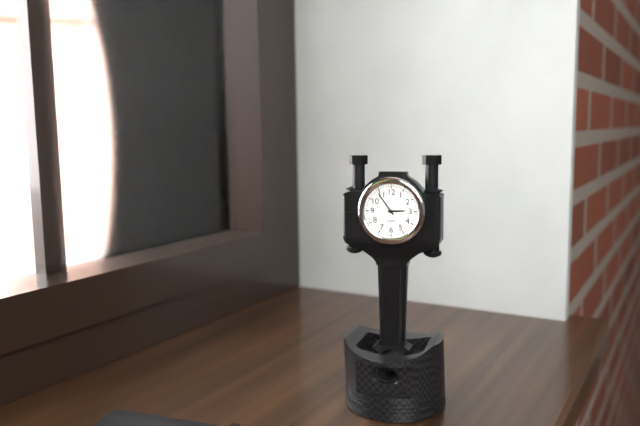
{"hour": 2, "minute": 54}
